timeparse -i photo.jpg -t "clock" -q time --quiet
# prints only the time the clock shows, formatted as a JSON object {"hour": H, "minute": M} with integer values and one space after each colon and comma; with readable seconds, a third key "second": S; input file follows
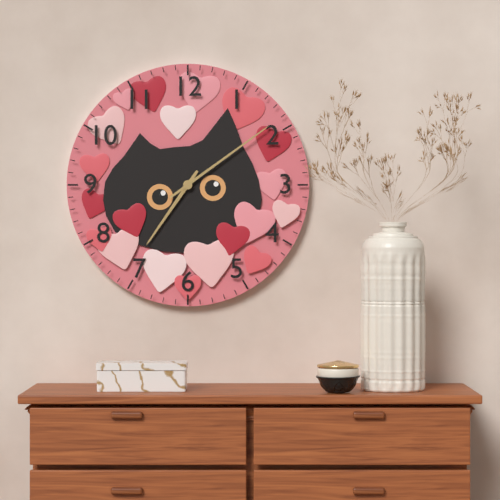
{"hour": 7, "minute": 9}
